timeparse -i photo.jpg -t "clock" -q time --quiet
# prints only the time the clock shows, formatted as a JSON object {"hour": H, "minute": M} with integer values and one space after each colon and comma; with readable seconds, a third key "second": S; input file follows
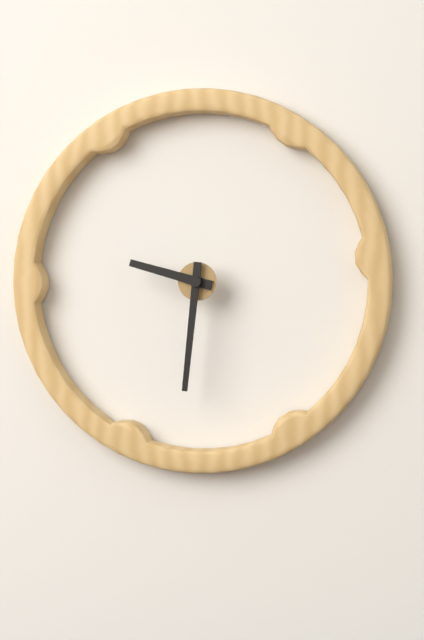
{"hour": 9, "minute": 31}
